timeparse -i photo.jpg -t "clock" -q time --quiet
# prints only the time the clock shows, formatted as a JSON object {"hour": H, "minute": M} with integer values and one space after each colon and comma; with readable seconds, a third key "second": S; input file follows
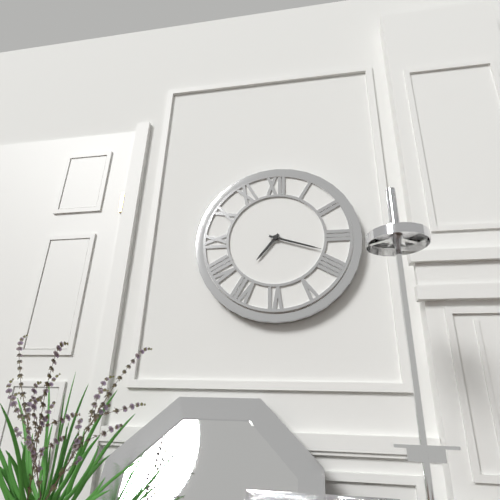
{"hour": 7, "minute": 18}
